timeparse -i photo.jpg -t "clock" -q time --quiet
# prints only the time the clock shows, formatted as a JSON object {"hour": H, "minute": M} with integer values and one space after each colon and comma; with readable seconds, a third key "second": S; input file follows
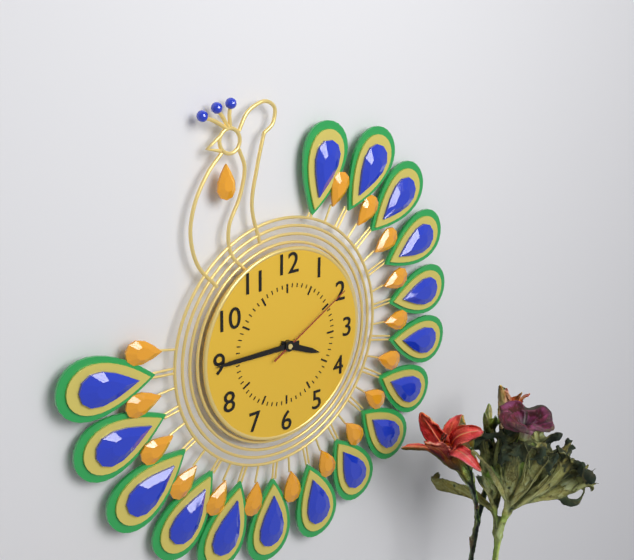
{"hour": 3, "minute": 45, "second": 10}
